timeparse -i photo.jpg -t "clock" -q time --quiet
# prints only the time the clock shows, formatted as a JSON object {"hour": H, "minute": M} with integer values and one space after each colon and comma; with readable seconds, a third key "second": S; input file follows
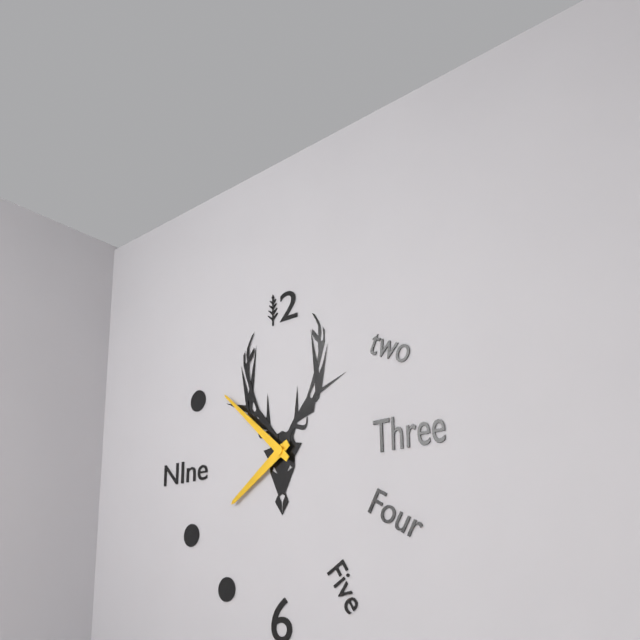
{"hour": 7, "minute": 52}
